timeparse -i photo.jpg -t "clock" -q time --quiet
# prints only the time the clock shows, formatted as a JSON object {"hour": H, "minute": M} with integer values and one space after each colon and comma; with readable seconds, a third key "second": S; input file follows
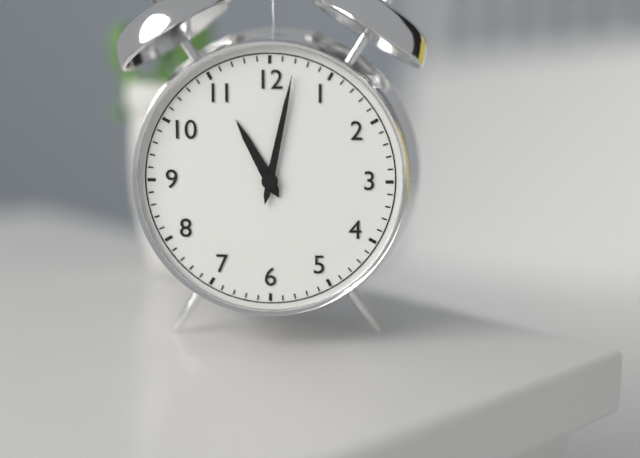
{"hour": 11, "minute": 2}
